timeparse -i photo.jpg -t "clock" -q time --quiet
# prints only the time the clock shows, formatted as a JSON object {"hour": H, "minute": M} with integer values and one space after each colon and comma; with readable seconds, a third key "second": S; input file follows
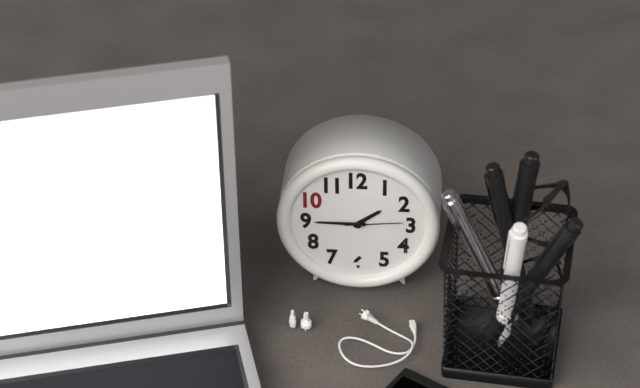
{"hour": 1, "minute": 45, "second": 14}
